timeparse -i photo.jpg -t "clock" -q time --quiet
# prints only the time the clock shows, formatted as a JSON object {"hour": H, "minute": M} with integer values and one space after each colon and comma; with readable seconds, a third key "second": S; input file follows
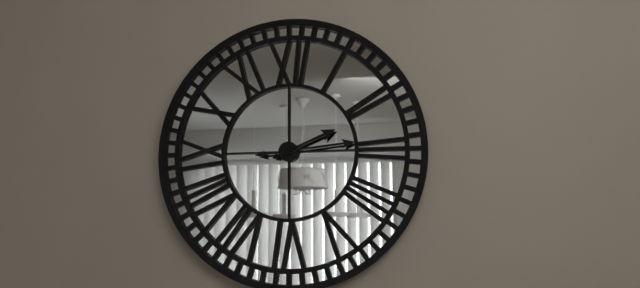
{"hour": 2, "minute": 14}
